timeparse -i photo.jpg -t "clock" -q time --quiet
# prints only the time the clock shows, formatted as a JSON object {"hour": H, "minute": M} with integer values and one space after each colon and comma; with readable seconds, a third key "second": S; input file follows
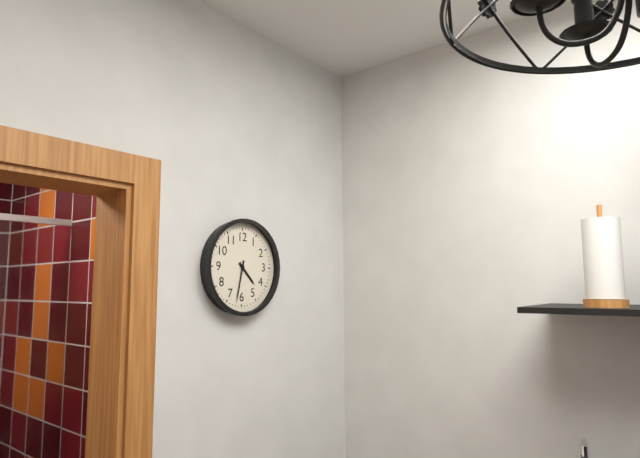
{"hour": 4, "minute": 32}
